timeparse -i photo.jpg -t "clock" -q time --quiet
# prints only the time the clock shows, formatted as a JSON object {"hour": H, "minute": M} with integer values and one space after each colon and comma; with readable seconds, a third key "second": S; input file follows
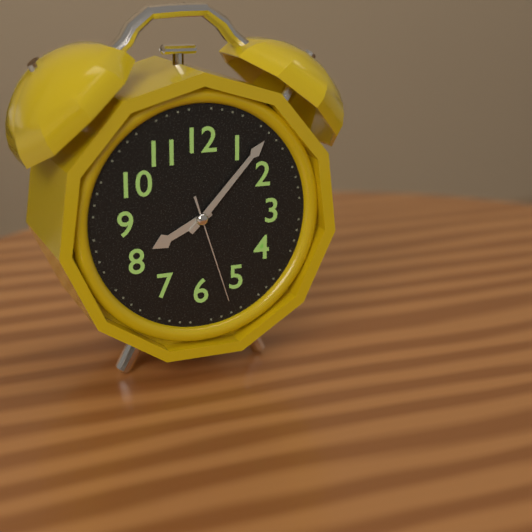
{"hour": 8, "minute": 7, "second": 27}
